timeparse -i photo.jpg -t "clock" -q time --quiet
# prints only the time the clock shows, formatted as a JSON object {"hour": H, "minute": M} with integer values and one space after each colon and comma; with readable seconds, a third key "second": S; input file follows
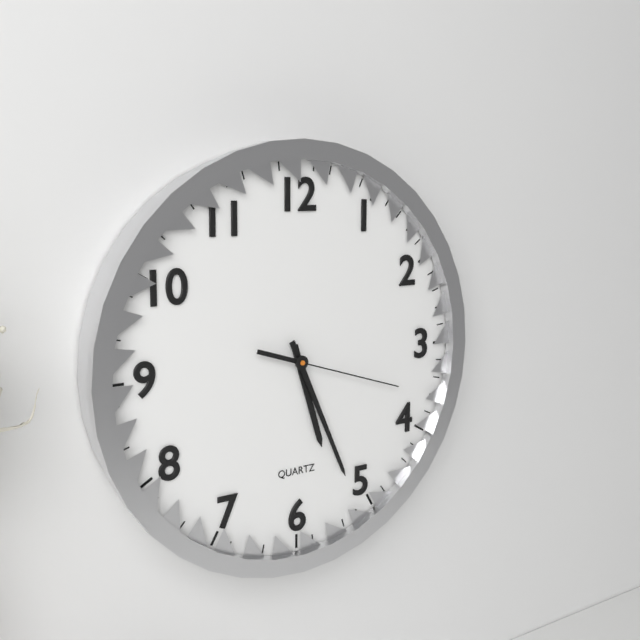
{"hour": 5, "minute": 26, "second": 18}
